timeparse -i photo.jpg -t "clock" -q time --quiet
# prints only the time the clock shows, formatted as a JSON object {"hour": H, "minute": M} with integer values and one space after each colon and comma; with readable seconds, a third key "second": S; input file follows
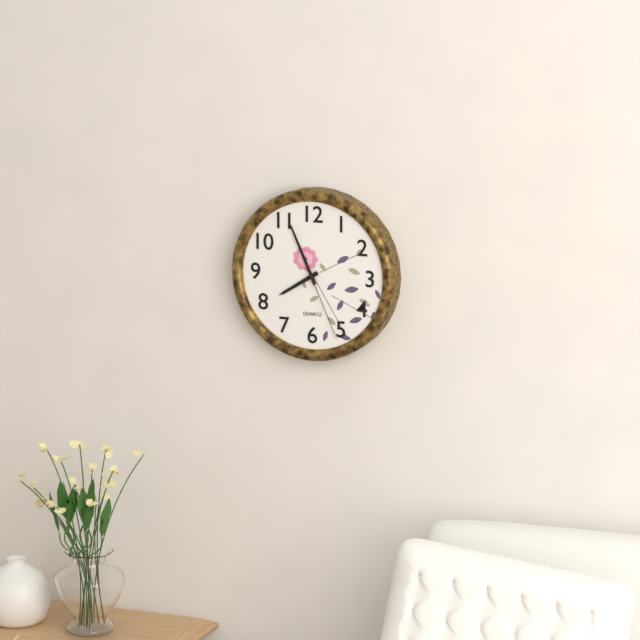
{"hour": 7, "minute": 56, "second": 26}
